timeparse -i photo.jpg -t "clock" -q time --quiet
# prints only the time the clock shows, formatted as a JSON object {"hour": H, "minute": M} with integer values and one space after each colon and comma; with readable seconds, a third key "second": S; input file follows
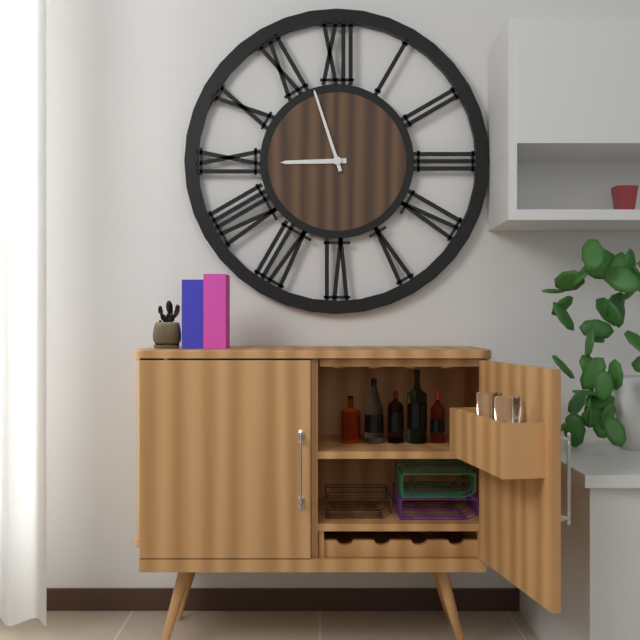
{"hour": 8, "minute": 57}
